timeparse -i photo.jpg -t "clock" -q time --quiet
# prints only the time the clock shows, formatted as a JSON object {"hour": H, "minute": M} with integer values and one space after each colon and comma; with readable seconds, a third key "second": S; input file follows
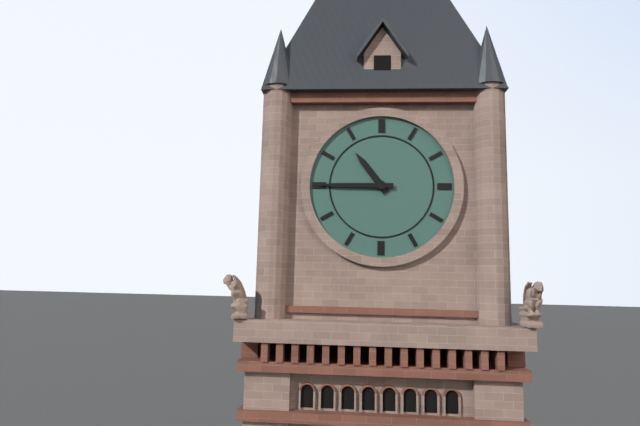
{"hour": 10, "minute": 45}
